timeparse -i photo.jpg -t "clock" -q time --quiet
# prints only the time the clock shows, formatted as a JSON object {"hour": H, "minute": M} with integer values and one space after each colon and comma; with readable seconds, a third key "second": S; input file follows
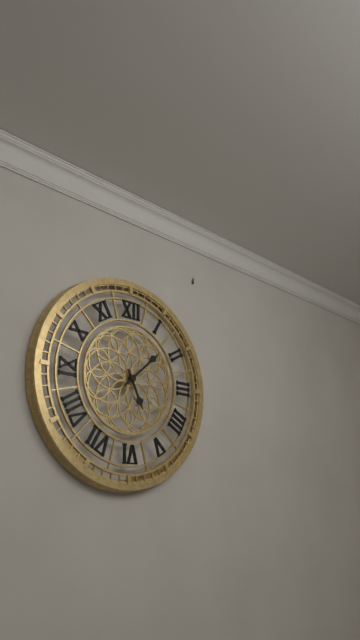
{"hour": 5, "minute": 8}
